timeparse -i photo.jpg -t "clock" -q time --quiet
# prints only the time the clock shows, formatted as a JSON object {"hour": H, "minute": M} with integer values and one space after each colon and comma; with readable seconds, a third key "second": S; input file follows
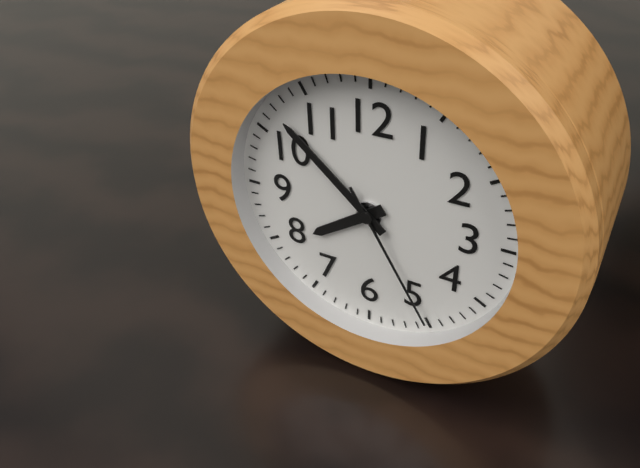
{"hour": 7, "minute": 52, "second": 25}
